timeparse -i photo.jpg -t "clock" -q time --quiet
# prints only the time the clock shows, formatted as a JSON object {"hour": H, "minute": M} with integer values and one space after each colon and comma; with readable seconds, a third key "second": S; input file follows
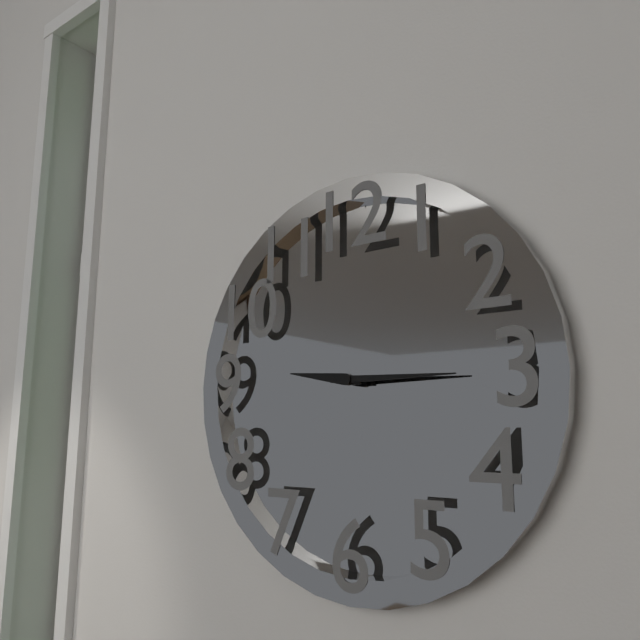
{"hour": 9, "minute": 15}
